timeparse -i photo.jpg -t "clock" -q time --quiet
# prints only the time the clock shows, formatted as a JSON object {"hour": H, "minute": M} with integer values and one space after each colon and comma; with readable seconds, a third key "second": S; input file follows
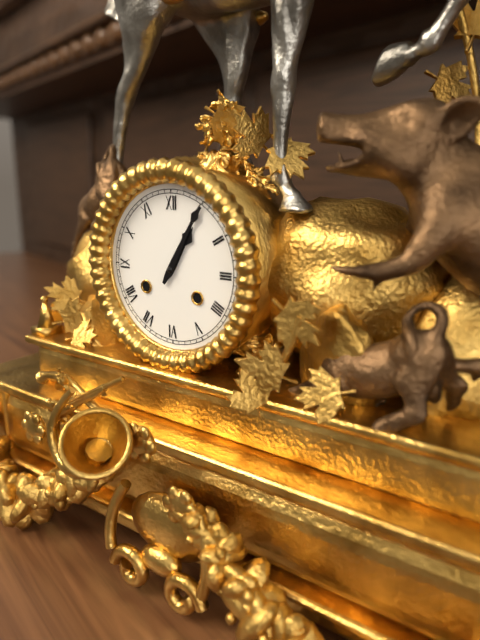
{"hour": 1, "minute": 5}
